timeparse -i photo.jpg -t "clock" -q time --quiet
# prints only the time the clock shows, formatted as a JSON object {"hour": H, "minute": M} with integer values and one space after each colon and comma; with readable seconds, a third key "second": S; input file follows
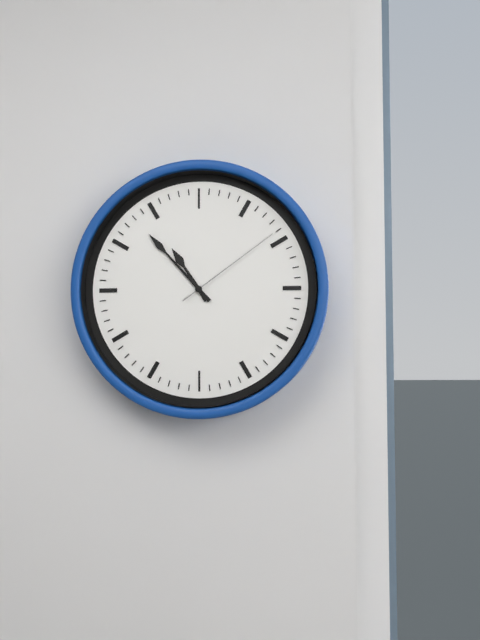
{"hour": 10, "minute": 53, "second": 9}
